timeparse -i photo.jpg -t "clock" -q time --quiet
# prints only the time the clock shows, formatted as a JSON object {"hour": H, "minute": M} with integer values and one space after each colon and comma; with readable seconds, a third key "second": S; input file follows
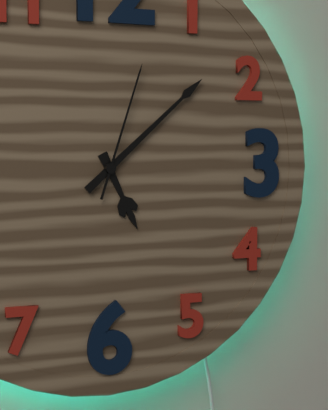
{"hour": 5, "minute": 8, "second": 3}
